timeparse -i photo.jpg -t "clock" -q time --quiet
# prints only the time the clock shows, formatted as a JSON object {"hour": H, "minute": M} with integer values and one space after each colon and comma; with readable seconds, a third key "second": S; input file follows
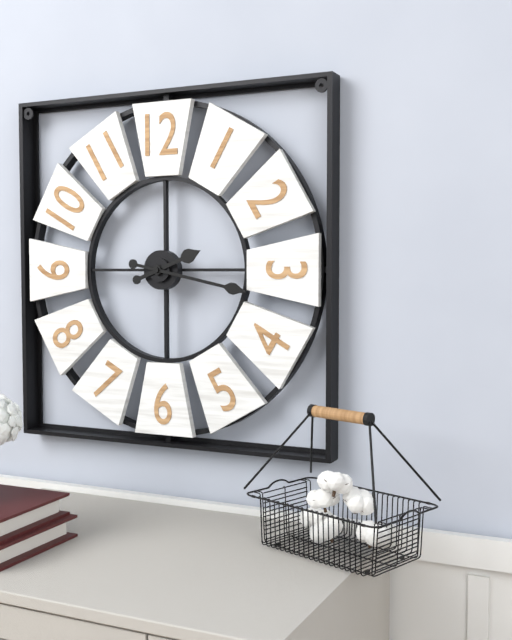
{"hour": 2, "minute": 17}
